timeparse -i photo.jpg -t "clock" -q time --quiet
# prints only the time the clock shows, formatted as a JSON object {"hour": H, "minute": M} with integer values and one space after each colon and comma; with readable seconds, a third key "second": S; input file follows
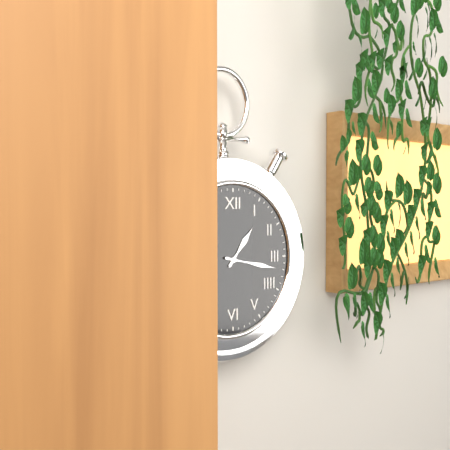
{"hour": 1, "minute": 17}
